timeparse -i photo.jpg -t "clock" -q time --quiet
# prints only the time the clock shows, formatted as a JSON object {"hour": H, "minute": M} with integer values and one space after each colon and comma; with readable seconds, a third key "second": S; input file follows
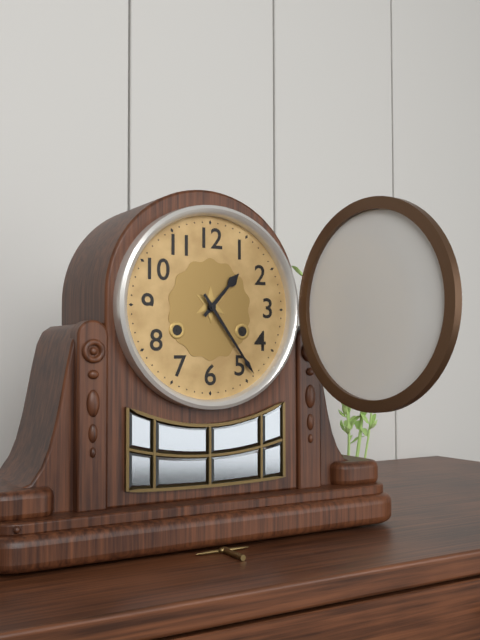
{"hour": 1, "minute": 24}
